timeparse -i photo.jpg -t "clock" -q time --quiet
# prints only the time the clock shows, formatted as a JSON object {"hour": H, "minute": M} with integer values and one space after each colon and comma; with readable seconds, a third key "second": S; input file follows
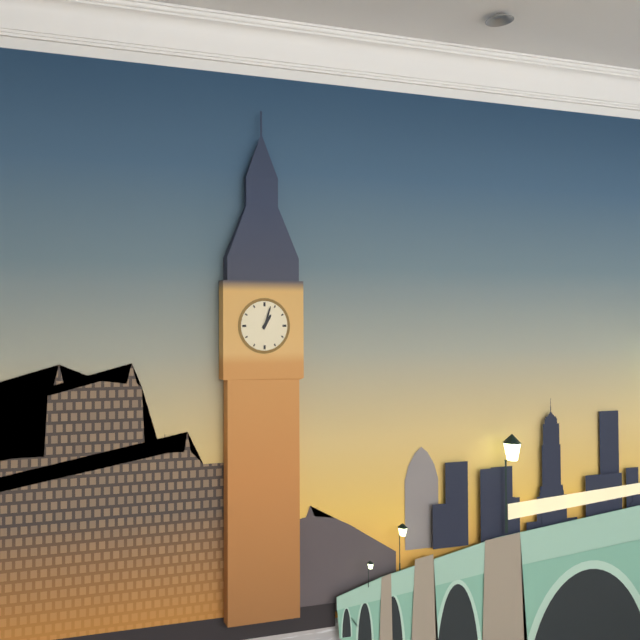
{"hour": 1, "minute": 3}
